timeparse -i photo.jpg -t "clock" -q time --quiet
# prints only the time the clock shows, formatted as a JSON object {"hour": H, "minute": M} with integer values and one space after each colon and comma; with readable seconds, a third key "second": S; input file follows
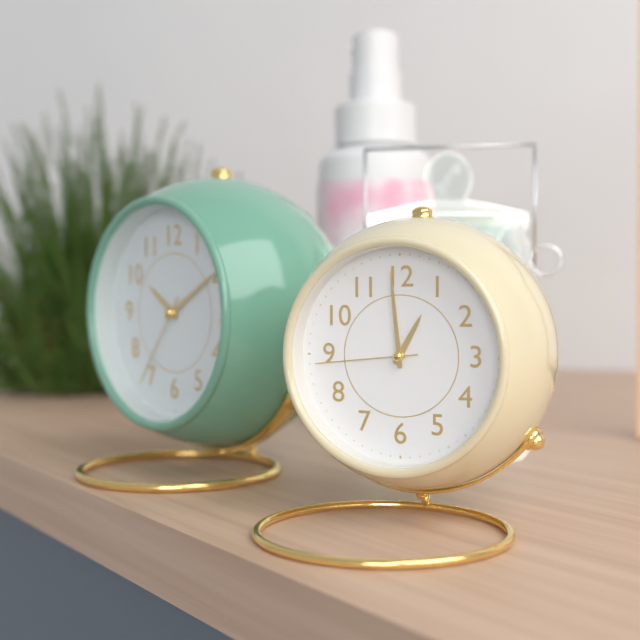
{"hour": 12, "minute": 59, "second": 44}
